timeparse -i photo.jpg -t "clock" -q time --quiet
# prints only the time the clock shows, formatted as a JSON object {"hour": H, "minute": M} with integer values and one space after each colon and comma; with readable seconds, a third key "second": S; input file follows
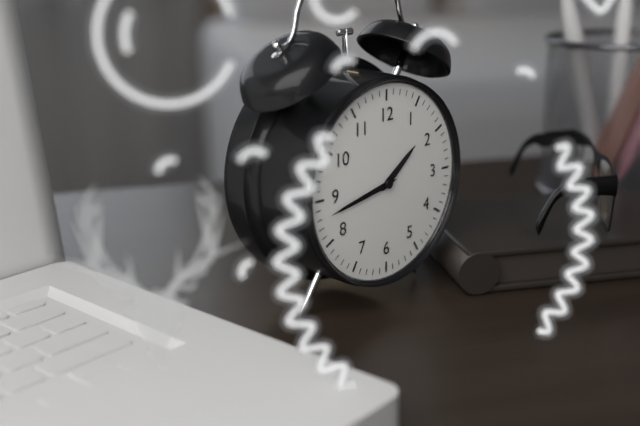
{"hour": 1, "minute": 43}
